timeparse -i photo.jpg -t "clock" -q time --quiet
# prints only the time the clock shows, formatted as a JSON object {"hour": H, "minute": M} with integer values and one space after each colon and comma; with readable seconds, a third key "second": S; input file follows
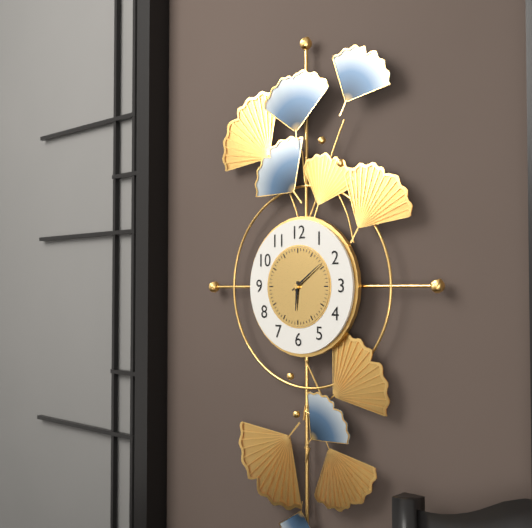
{"hour": 6, "minute": 9}
